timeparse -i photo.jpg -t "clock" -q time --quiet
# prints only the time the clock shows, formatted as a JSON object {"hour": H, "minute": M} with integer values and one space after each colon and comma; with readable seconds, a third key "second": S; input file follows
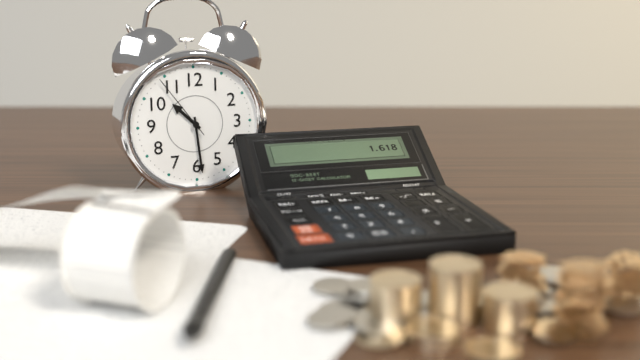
{"hour": 10, "minute": 29, "second": 54}
